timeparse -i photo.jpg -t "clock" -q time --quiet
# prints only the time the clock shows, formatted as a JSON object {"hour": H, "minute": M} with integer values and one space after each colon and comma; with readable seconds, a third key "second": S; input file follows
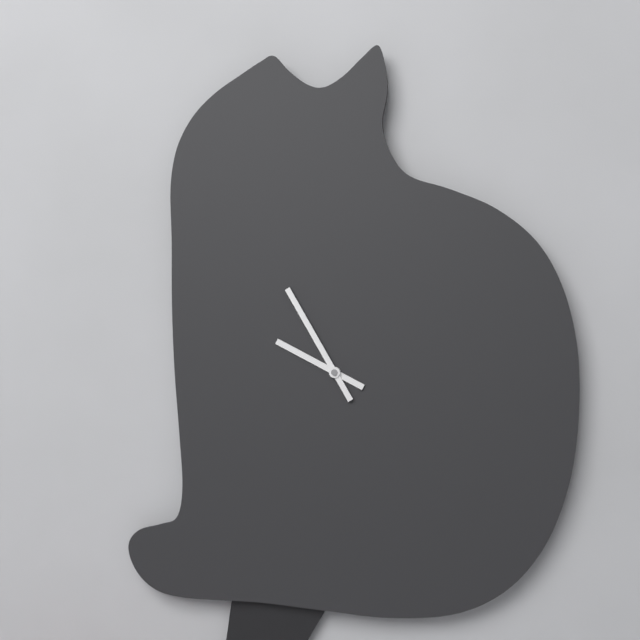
{"hour": 9, "minute": 55}
